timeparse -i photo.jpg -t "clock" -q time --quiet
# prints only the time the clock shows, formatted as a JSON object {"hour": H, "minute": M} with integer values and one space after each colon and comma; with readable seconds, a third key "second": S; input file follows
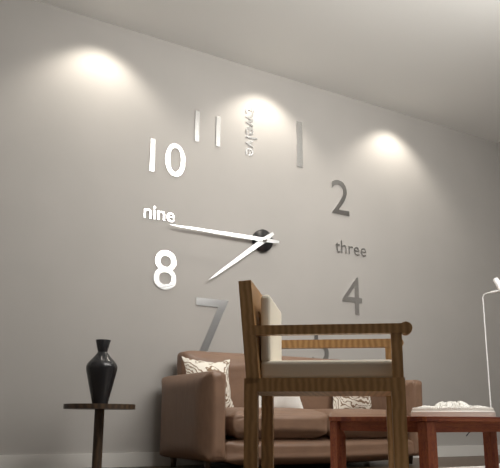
{"hour": 7, "minute": 45}
